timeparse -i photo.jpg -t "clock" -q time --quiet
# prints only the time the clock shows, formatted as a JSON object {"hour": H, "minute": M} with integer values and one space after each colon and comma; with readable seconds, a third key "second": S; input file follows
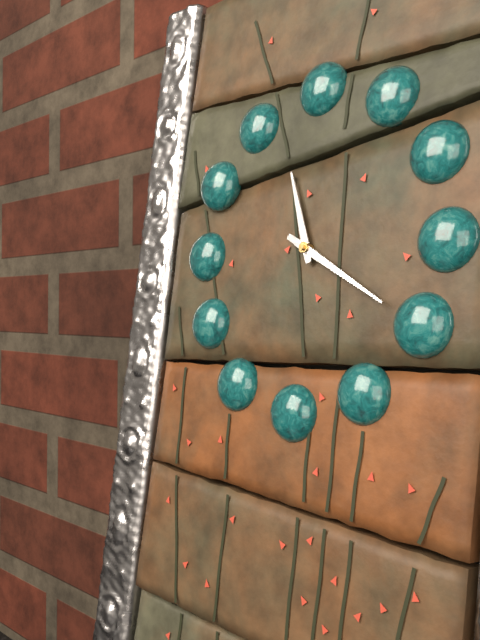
{"hour": 11, "minute": 20}
